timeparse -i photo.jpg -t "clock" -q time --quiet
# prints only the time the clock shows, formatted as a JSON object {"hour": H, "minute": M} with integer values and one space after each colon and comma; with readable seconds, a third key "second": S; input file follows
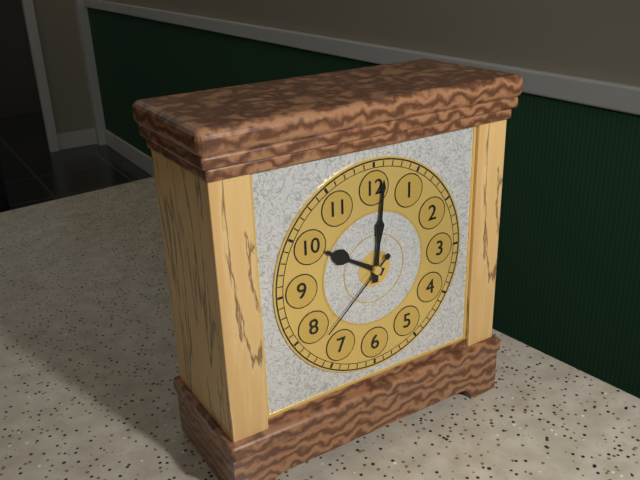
{"hour": 10, "minute": 1, "second": 38}
